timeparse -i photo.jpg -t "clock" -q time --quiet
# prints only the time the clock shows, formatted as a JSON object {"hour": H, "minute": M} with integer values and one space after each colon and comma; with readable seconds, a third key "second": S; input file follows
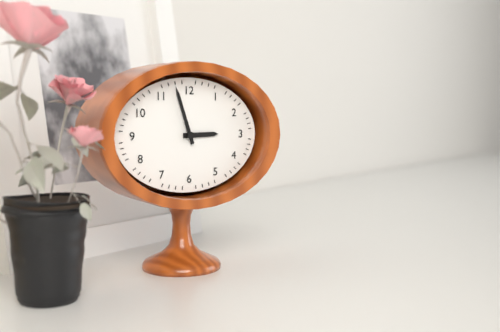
{"hour": 2, "minute": 57}
